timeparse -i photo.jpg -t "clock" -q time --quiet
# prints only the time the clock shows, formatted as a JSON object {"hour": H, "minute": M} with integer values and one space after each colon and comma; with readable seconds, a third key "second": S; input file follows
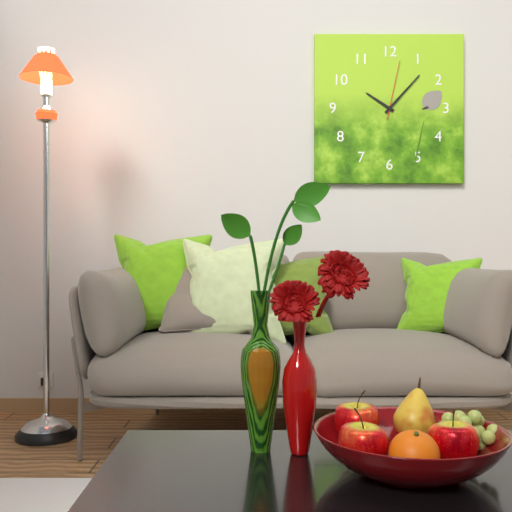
{"hour": 10, "minute": 7, "second": 2}
